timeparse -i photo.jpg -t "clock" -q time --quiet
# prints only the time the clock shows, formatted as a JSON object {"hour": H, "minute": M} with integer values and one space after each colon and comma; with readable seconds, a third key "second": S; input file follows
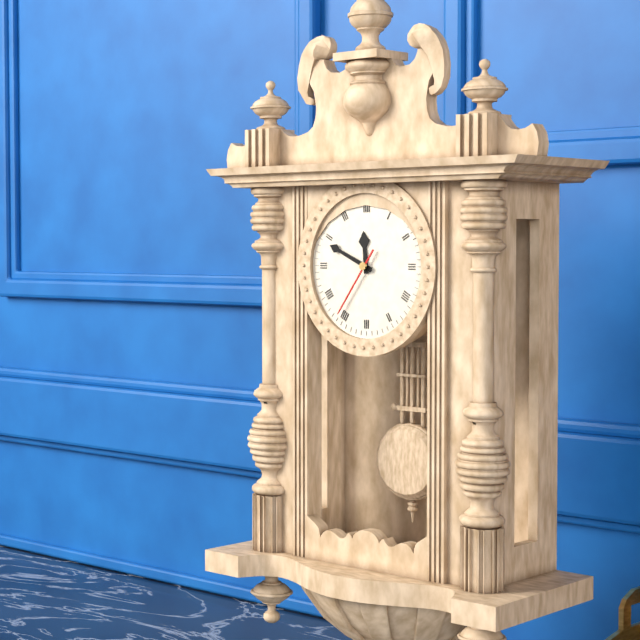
{"hour": 11, "minute": 49, "second": 36}
